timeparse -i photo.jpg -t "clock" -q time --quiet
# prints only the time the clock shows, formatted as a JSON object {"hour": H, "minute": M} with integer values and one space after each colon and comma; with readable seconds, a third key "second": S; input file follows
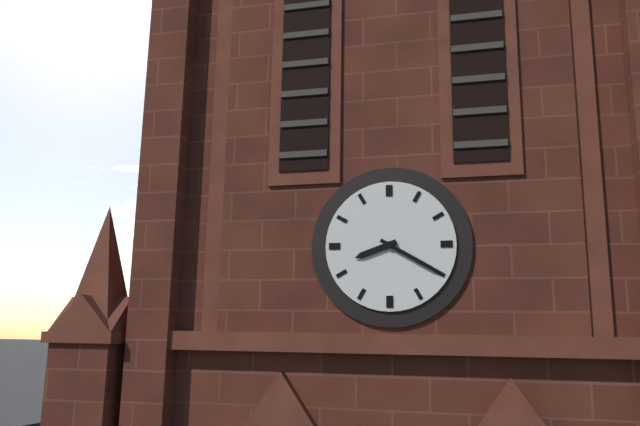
{"hour": 8, "minute": 20}
